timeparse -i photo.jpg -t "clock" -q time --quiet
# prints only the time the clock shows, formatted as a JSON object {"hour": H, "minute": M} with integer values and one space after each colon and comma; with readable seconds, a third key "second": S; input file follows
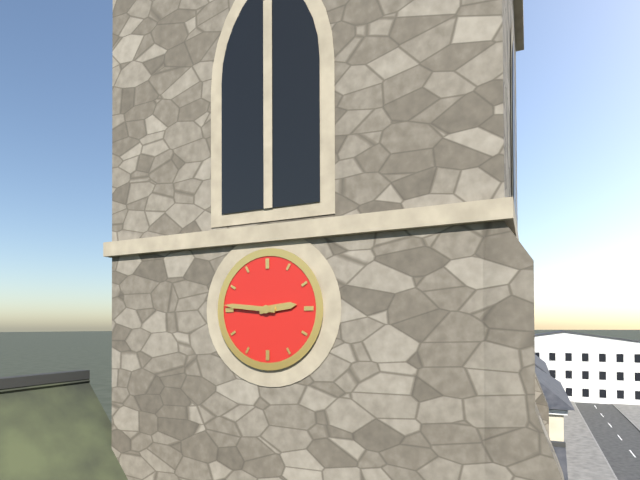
{"hour": 2, "minute": 46}
